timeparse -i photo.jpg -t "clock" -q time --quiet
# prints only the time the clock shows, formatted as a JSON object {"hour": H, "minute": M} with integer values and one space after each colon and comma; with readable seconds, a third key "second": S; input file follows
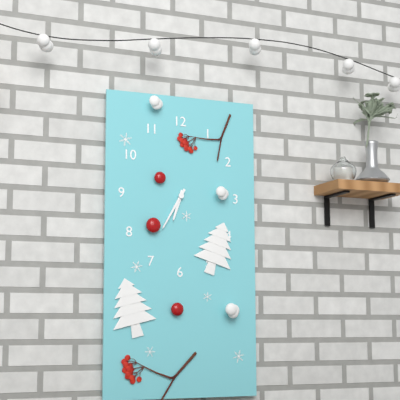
{"hour": 6, "minute": 35}
